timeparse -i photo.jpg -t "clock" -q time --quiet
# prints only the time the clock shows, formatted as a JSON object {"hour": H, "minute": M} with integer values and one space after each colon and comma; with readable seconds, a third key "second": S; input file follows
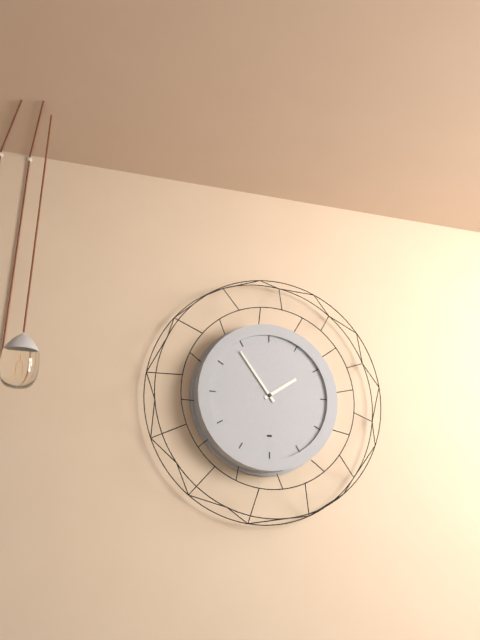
{"hour": 1, "minute": 54}
